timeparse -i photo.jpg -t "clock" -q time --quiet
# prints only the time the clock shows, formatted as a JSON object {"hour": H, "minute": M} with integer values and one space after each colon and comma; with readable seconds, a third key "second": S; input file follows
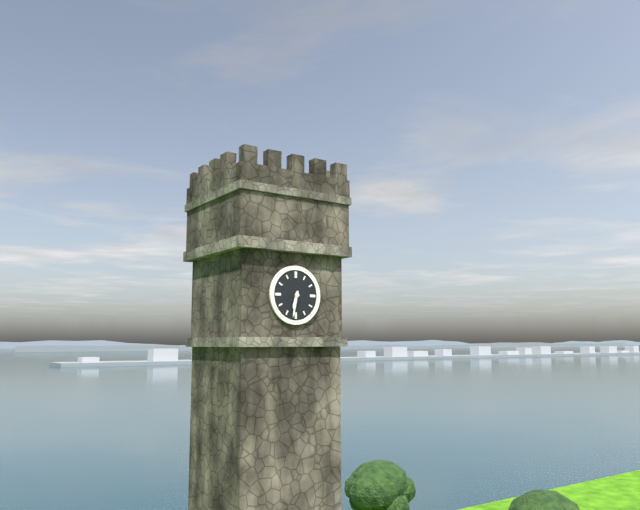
{"hour": 6, "minute": 32}
